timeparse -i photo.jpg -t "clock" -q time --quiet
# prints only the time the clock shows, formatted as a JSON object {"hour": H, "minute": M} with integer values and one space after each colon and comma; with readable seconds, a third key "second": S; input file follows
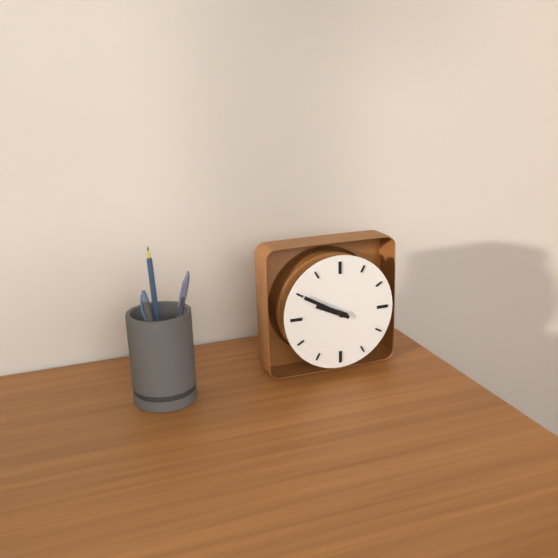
{"hour": 9, "minute": 50}
